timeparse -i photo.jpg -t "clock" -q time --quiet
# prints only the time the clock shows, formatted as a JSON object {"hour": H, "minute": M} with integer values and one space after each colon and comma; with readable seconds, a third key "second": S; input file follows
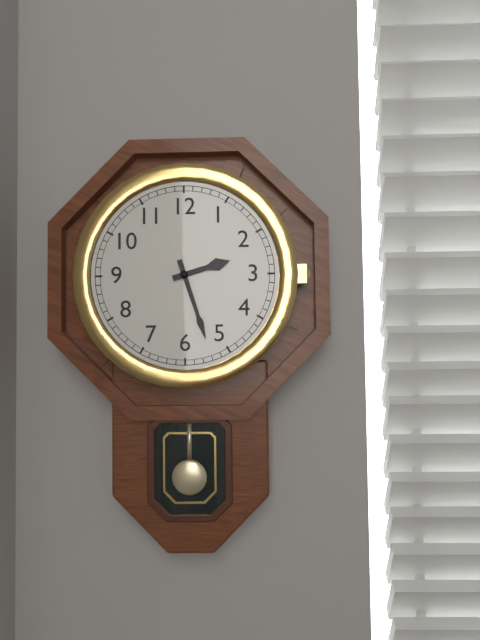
{"hour": 2, "minute": 27}
